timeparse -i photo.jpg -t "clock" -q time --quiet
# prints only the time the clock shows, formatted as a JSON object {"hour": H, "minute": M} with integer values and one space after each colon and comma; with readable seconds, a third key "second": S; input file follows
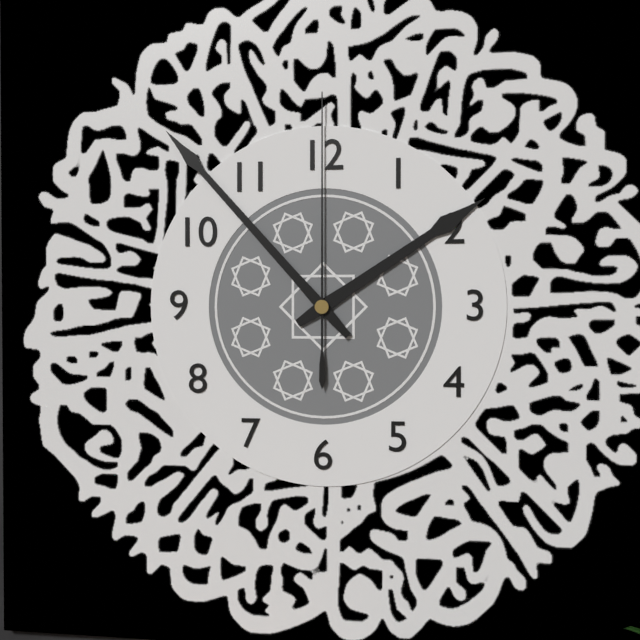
{"hour": 1, "minute": 53, "second": 0}
